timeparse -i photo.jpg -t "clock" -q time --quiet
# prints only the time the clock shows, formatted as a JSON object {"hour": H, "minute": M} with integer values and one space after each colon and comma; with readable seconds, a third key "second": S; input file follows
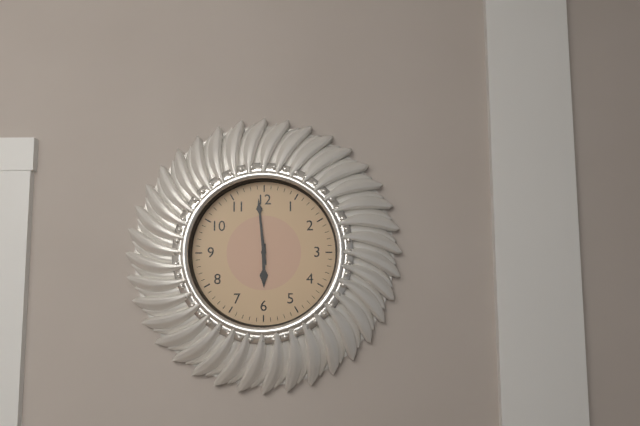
{"hour": 5, "minute": 59}
